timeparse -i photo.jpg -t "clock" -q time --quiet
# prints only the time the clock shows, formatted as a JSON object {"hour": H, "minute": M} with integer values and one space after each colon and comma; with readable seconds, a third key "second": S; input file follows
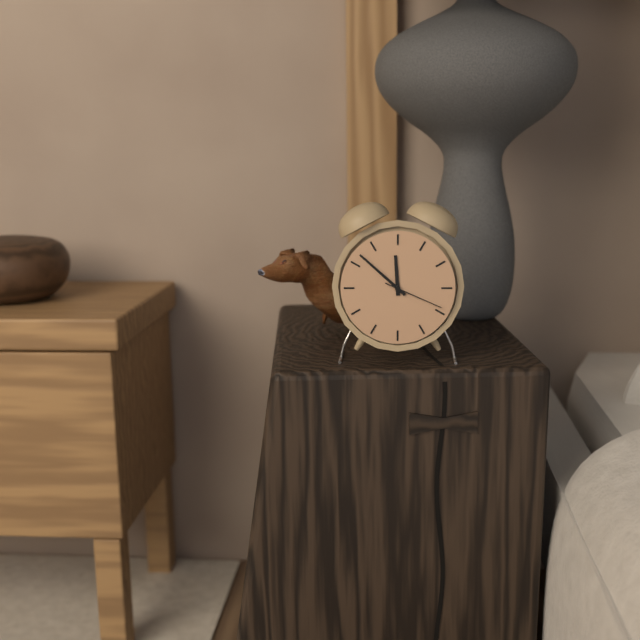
{"hour": 11, "minute": 52, "second": 19}
